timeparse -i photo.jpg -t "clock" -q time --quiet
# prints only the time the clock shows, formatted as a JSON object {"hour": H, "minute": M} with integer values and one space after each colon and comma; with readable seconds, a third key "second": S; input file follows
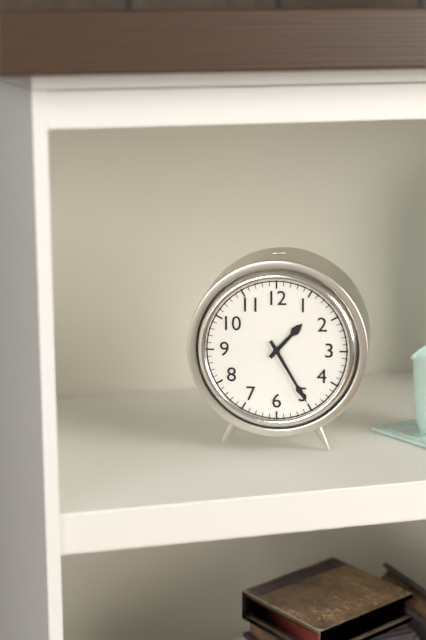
{"hour": 1, "minute": 25}
